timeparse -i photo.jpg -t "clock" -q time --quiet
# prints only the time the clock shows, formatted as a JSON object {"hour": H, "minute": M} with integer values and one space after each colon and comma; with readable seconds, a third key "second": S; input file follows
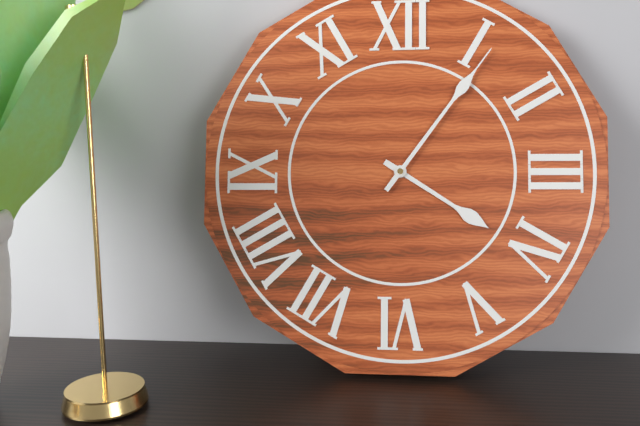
{"hour": 4, "minute": 6}
